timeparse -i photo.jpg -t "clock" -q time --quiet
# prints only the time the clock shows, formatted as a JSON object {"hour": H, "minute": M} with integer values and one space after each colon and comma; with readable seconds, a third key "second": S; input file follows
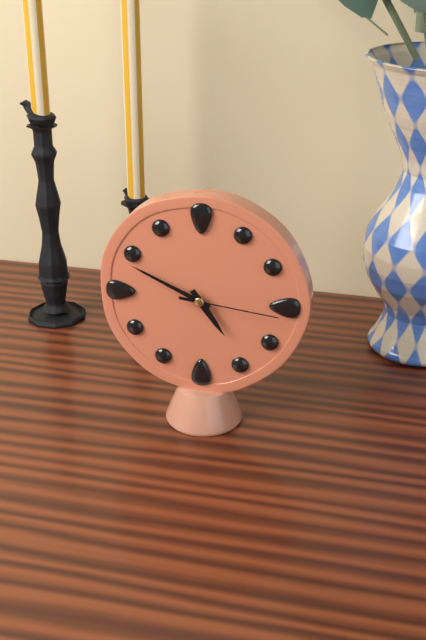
{"hour": 4, "minute": 49, "second": 16}
